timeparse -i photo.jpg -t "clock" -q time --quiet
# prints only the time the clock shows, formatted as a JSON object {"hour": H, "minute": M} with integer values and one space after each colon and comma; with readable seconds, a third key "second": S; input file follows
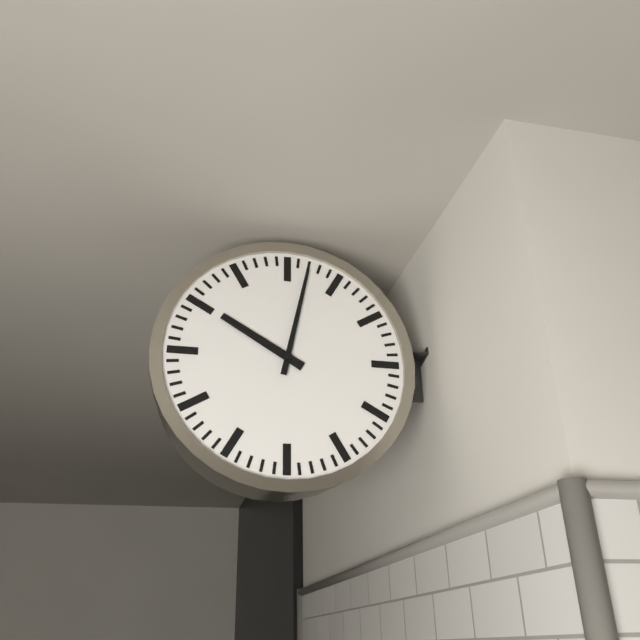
{"hour": 10, "minute": 2}
